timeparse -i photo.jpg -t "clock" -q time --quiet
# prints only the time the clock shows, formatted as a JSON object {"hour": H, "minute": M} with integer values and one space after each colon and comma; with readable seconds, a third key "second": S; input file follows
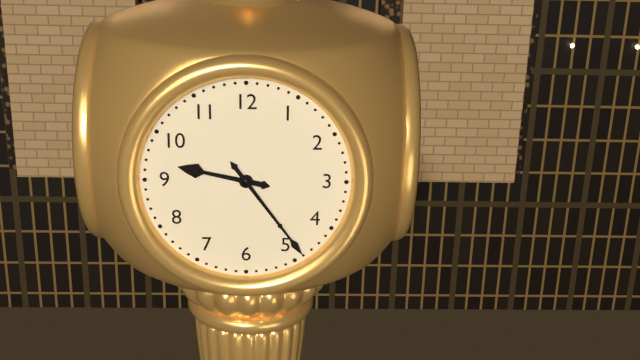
{"hour": 9, "minute": 24}
